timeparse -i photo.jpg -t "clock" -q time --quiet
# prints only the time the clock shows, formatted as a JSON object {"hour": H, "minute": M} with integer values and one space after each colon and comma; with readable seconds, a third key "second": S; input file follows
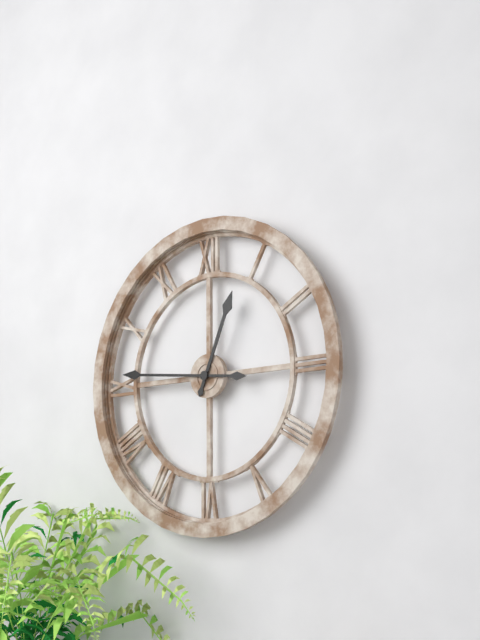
{"hour": 12, "minute": 46}
